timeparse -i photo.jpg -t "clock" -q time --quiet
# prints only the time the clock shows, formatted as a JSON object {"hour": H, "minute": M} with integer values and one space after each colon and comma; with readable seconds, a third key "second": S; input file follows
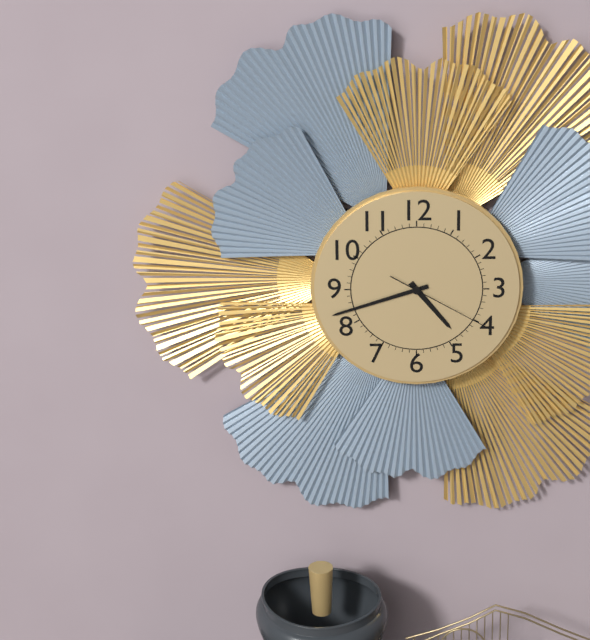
{"hour": 4, "minute": 42, "second": 20}
